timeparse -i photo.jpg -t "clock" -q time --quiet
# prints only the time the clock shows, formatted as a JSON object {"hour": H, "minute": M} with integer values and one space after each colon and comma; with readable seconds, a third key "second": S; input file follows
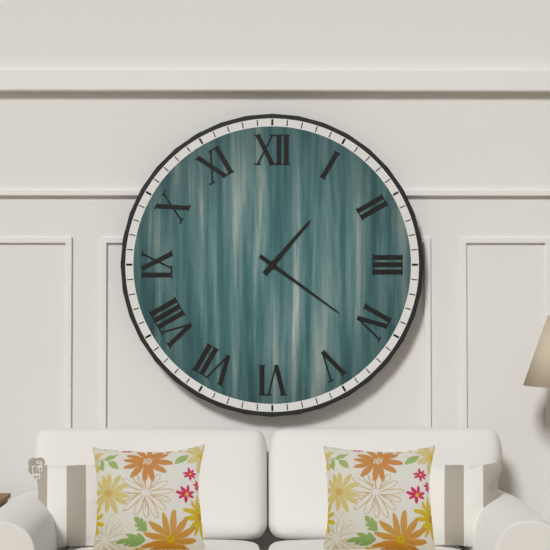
{"hour": 1, "minute": 21}
